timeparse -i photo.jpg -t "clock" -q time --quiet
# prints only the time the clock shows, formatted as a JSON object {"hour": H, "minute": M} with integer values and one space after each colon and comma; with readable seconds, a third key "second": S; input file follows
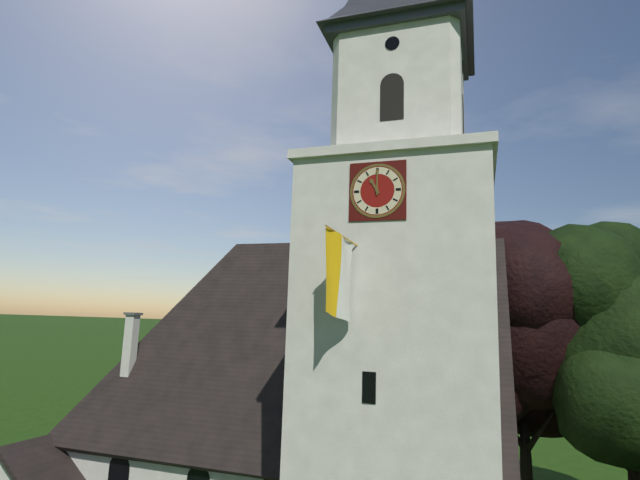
{"hour": 11, "minute": 0}
